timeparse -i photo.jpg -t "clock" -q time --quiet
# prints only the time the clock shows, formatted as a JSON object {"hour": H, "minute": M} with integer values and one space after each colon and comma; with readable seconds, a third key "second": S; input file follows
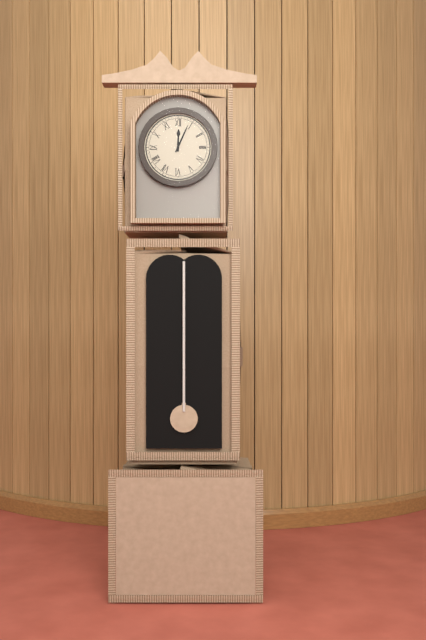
{"hour": 12, "minute": 4}
